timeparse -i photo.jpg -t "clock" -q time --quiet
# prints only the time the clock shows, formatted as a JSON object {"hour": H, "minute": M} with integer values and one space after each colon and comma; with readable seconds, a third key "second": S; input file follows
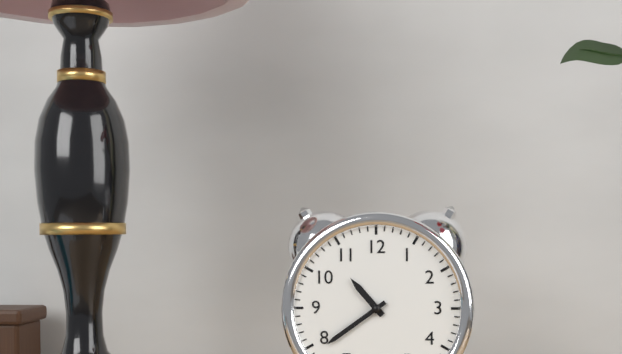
{"hour": 10, "minute": 39}
